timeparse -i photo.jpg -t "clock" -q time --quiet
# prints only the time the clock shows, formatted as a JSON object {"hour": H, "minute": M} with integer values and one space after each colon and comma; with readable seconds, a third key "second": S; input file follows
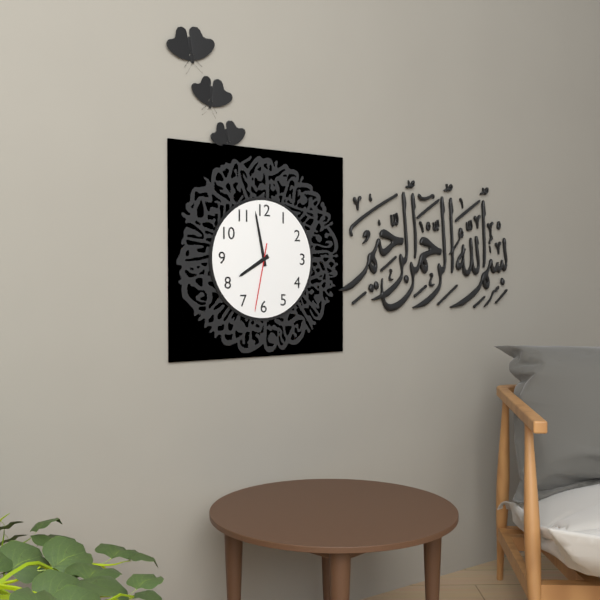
{"hour": 7, "minute": 58, "second": 32}
